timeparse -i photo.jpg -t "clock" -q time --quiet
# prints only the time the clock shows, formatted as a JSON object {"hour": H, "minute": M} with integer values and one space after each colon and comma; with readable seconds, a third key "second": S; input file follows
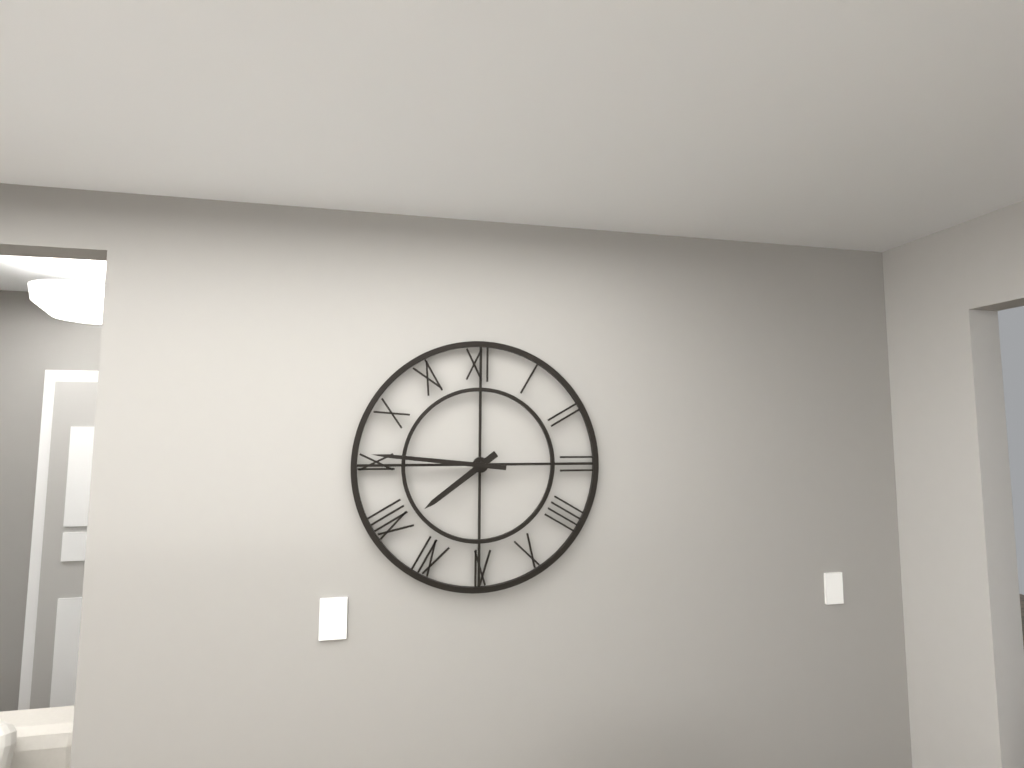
{"hour": 7, "minute": 46}
